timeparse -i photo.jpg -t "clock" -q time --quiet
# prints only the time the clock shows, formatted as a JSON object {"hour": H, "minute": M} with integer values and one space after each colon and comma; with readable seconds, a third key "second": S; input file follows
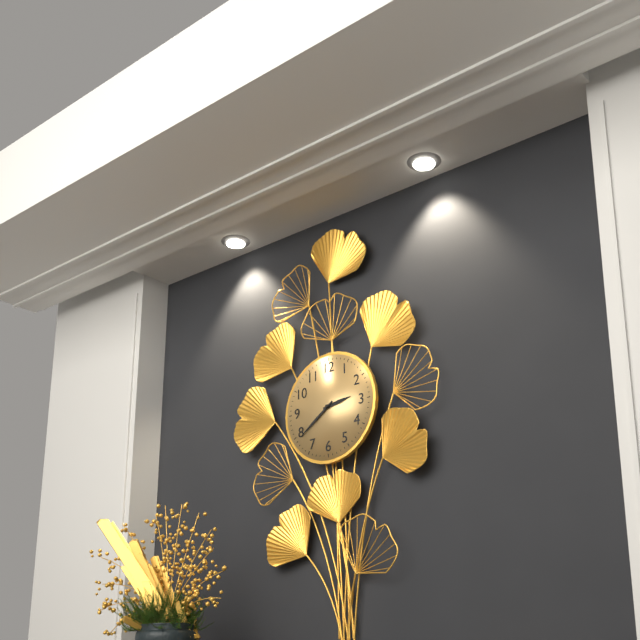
{"hour": 2, "minute": 39}
